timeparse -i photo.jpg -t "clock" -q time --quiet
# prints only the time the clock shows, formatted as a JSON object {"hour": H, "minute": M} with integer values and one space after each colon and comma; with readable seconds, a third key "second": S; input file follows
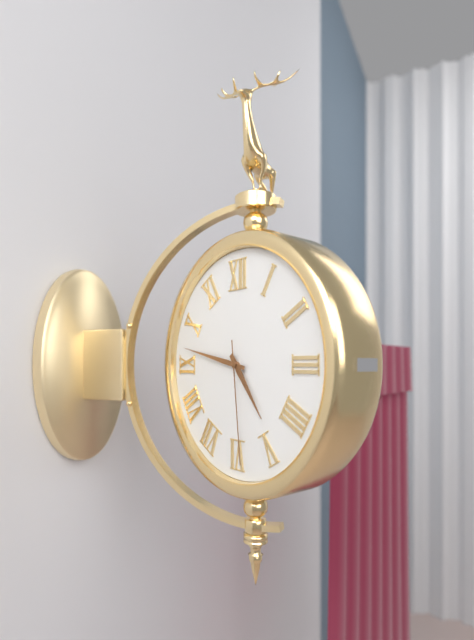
{"hour": 4, "minute": 47, "second": 29}
